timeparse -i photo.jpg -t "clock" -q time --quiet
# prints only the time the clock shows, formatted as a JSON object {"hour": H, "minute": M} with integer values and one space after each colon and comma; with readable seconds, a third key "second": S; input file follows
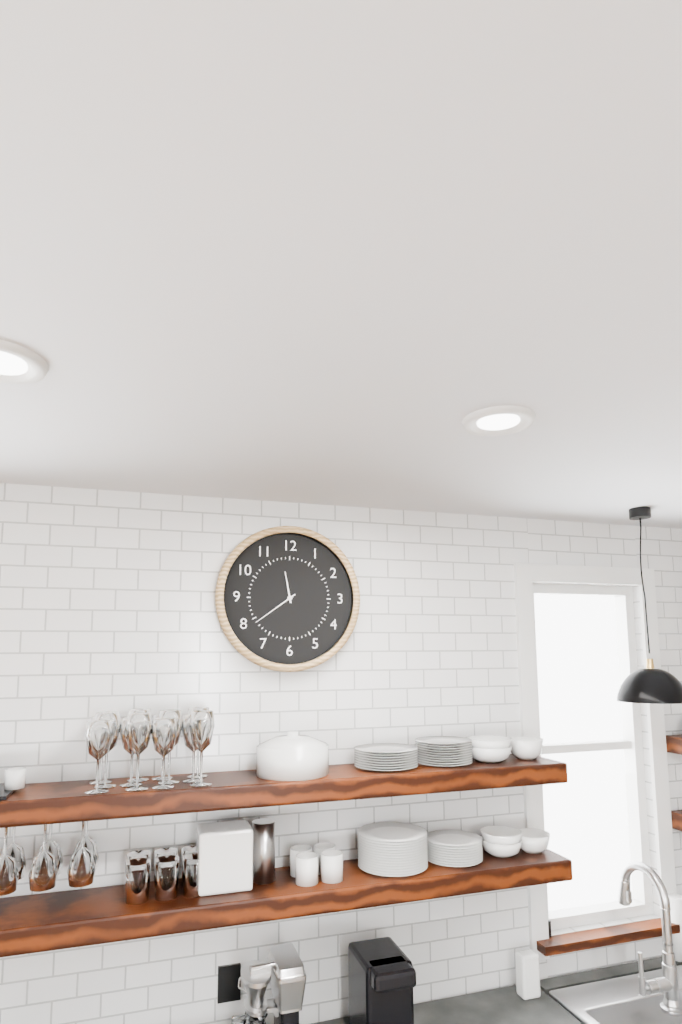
{"hour": 11, "minute": 39}
